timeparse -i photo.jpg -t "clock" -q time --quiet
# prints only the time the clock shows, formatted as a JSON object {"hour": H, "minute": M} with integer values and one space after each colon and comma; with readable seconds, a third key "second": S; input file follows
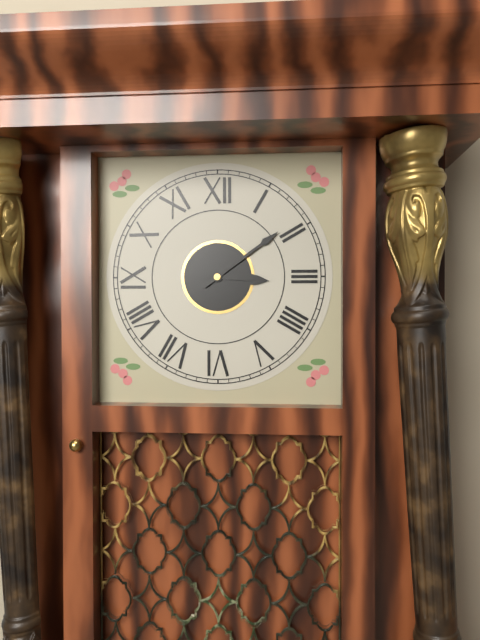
{"hour": 3, "minute": 9}
